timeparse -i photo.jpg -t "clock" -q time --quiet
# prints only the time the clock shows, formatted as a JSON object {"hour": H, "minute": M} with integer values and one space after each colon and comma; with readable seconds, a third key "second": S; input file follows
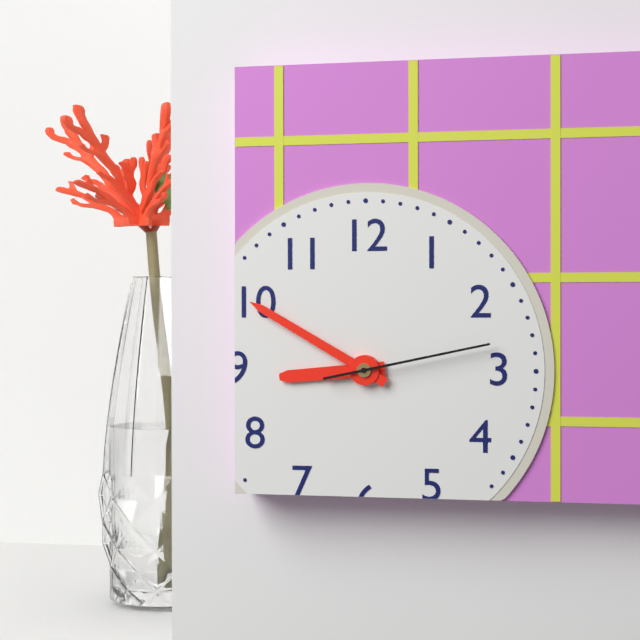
{"hour": 8, "minute": 50, "second": 13}
